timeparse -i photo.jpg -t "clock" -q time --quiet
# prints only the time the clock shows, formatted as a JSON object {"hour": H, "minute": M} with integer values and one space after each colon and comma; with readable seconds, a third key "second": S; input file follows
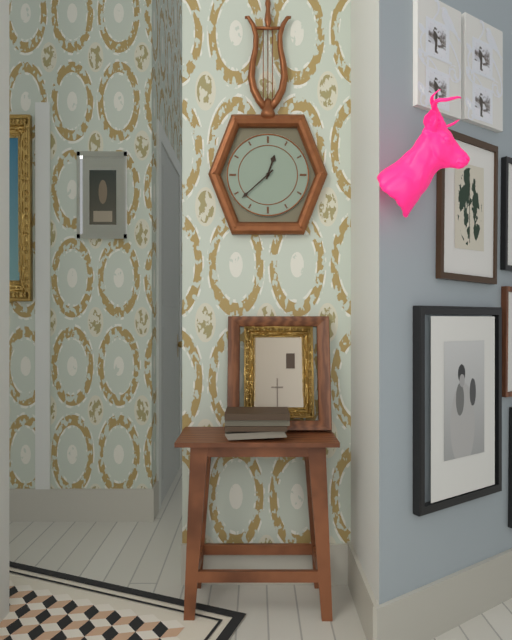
{"hour": 12, "minute": 38}
